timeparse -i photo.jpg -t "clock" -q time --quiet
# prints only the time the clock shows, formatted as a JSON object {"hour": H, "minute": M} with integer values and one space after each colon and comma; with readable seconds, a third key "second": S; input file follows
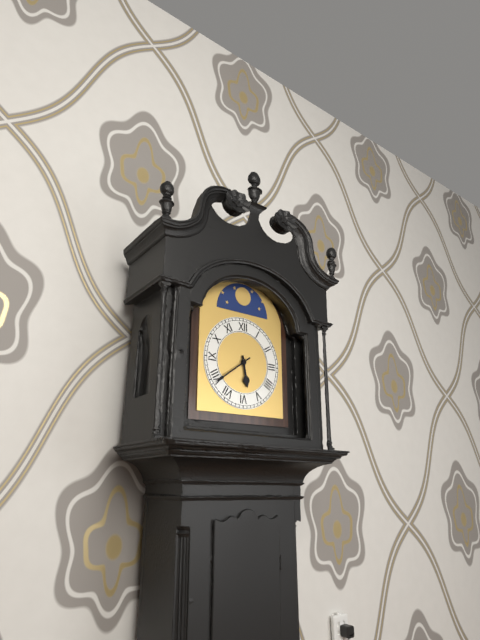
{"hour": 5, "minute": 39}
